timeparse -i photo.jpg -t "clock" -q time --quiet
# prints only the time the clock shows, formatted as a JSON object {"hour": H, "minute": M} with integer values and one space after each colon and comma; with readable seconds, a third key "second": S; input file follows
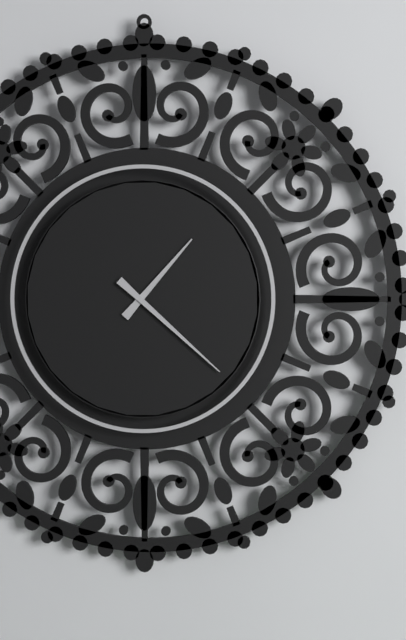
{"hour": 1, "minute": 22}
